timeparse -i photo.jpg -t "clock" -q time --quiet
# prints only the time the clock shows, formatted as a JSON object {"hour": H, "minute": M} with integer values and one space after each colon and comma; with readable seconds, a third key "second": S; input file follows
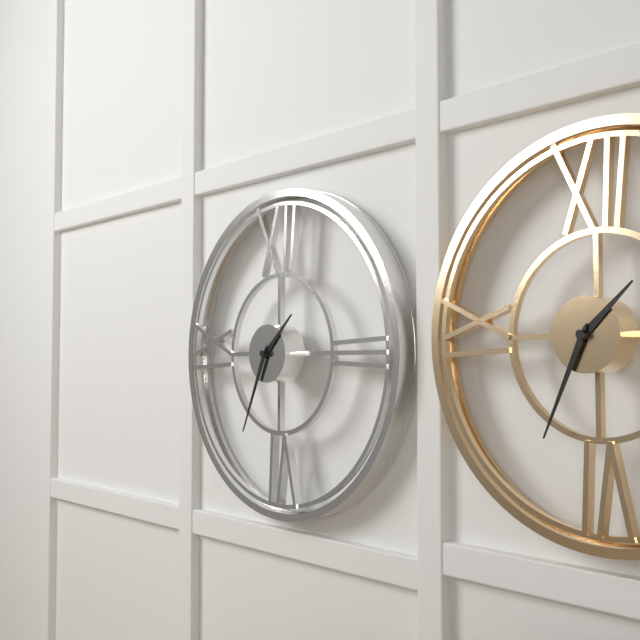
{"hour": 1, "minute": 34}
